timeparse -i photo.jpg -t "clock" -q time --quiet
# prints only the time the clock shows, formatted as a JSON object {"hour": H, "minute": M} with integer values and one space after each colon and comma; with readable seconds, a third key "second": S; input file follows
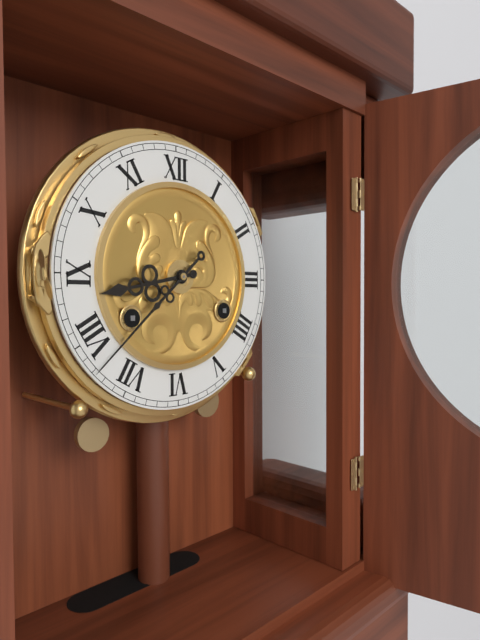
{"hour": 8, "minute": 38}
